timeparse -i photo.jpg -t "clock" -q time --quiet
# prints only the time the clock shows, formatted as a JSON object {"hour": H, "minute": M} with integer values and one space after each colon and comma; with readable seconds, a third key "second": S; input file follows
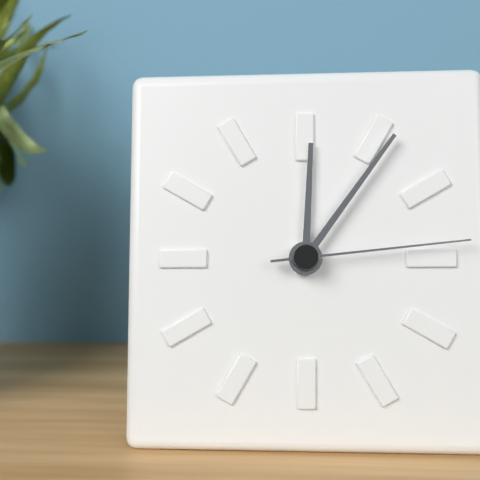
{"hour": 12, "minute": 6, "second": 14}
